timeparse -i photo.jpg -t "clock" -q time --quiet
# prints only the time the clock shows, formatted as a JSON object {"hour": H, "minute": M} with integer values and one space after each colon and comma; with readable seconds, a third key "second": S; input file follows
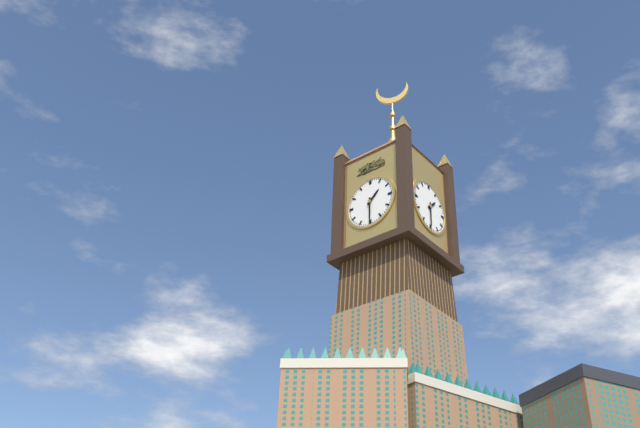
{"hour": 1, "minute": 30}
